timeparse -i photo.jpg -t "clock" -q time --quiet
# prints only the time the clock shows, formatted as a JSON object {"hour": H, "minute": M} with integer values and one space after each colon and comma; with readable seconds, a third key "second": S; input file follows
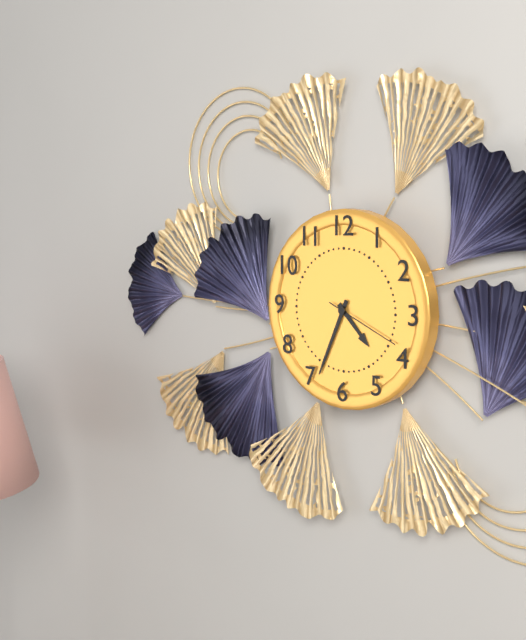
{"hour": 4, "minute": 34, "second": 19}
